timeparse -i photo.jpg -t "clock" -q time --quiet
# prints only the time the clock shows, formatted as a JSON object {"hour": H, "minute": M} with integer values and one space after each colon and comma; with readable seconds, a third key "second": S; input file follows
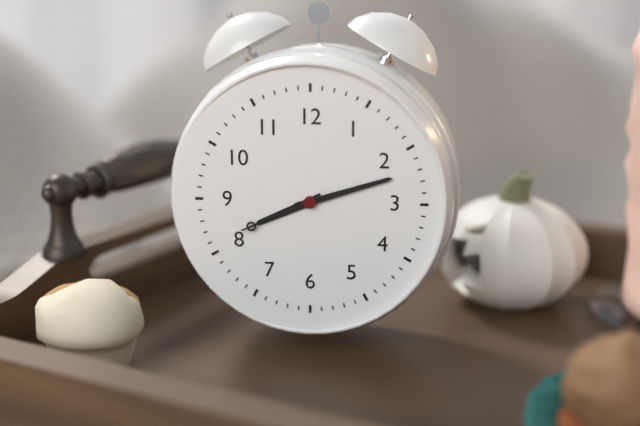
{"hour": 8, "minute": 12, "second": 41}
